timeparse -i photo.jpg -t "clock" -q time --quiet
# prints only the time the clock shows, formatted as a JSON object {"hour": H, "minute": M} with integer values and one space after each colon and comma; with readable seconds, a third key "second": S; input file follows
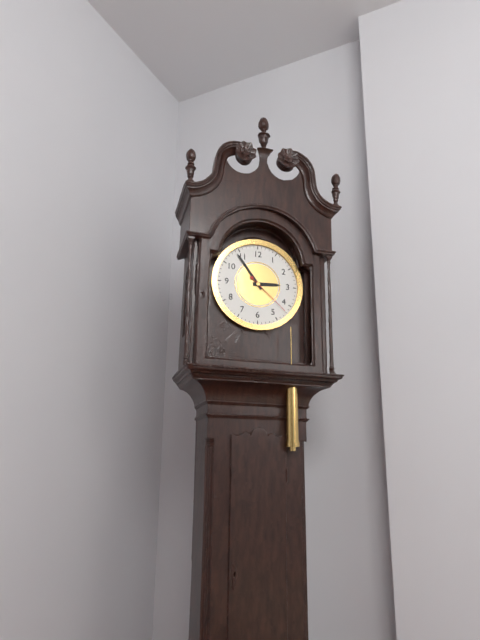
{"hour": 2, "minute": 54}
